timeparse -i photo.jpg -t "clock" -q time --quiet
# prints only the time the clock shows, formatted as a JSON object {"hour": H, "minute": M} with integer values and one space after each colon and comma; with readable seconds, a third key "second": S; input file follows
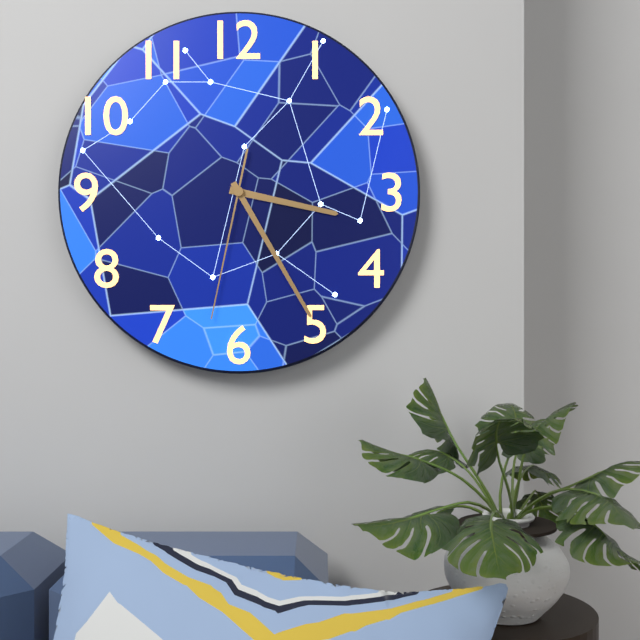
{"hour": 3, "minute": 25, "second": 32}
